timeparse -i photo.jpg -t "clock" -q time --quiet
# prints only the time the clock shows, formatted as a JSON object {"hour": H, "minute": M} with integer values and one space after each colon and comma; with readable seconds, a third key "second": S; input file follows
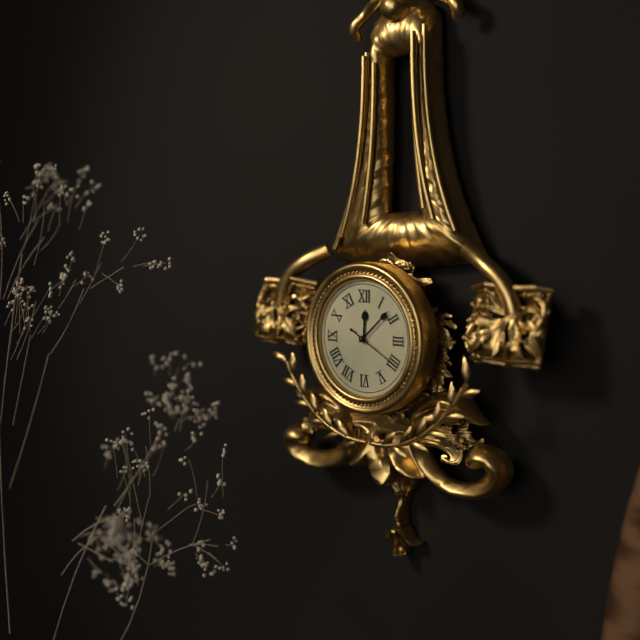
{"hour": 12, "minute": 8, "second": 20}
